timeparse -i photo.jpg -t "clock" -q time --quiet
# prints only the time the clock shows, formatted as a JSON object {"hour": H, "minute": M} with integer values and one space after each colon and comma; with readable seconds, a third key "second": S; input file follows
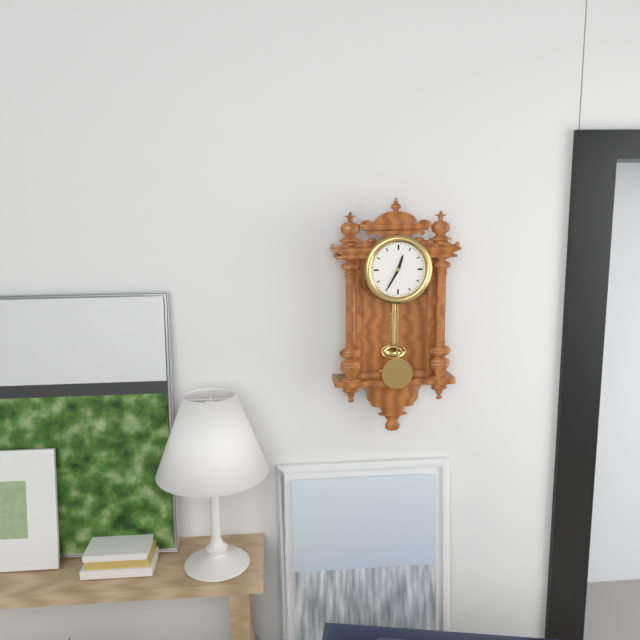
{"hour": 12, "minute": 35}
